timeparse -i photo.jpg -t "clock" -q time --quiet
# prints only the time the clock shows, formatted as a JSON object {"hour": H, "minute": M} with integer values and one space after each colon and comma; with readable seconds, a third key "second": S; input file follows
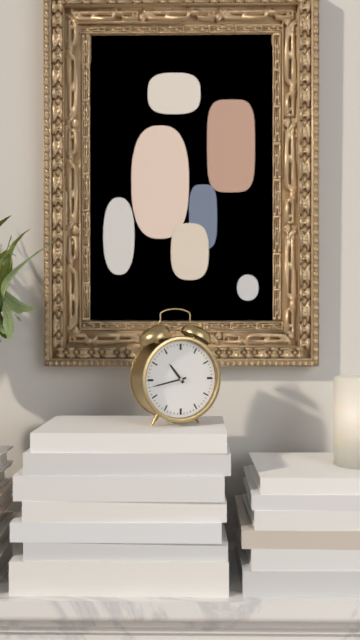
{"hour": 10, "minute": 43}
